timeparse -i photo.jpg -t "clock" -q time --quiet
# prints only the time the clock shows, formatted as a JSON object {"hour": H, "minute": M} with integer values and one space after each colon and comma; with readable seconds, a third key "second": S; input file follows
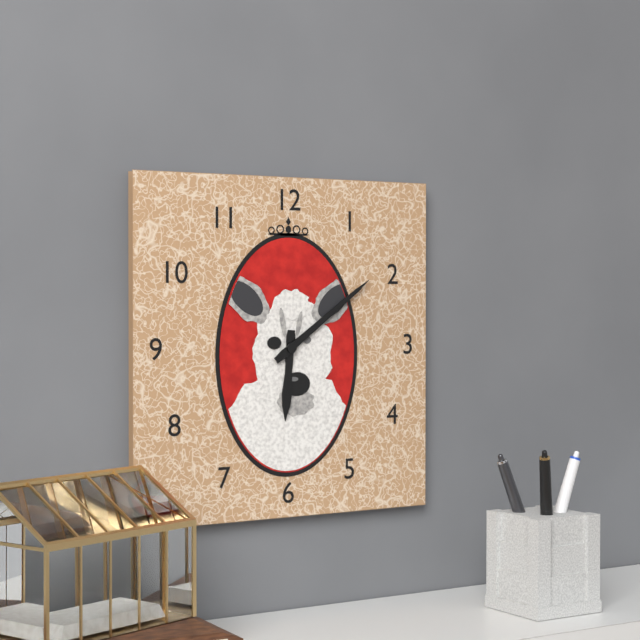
{"hour": 6, "minute": 9}
